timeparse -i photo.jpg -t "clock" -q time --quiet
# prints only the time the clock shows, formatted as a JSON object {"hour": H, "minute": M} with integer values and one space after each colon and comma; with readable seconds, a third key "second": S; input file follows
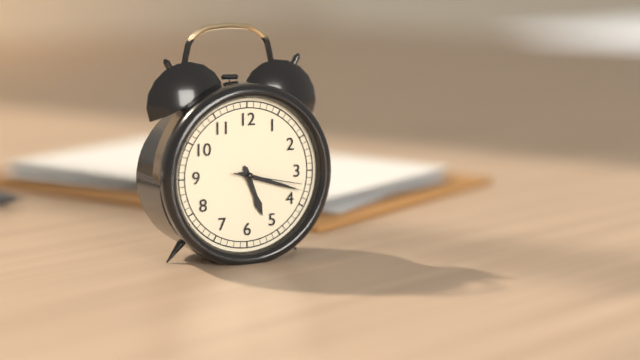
{"hour": 5, "minute": 18, "second": 17}
